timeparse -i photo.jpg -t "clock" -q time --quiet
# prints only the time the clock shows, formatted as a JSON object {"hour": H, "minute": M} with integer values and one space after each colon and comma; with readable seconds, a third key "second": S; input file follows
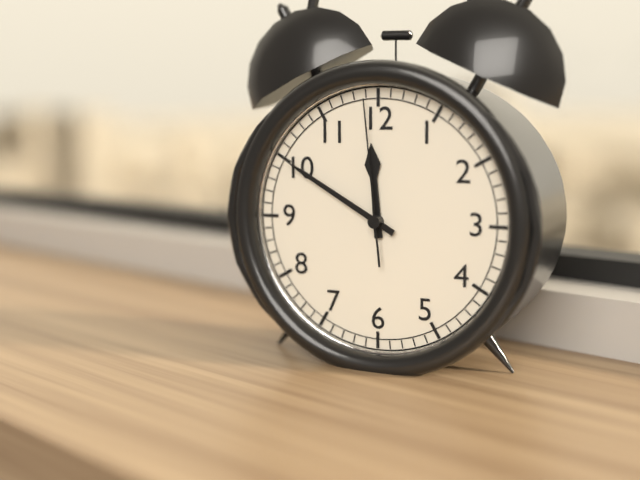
{"hour": 11, "minute": 50, "second": 59}
